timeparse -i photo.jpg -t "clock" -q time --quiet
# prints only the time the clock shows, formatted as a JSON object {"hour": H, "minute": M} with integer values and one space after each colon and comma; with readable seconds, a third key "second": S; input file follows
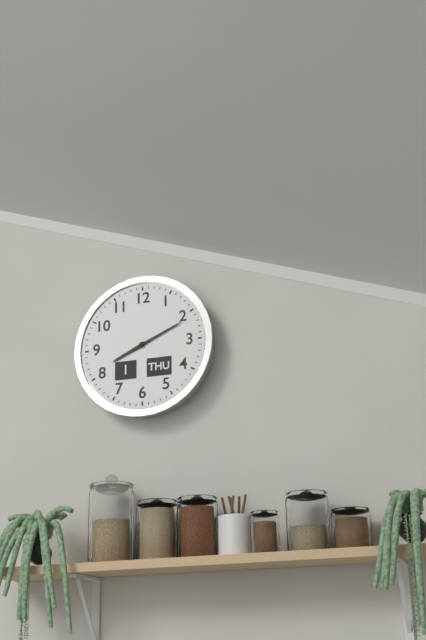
{"hour": 8, "minute": 11}
